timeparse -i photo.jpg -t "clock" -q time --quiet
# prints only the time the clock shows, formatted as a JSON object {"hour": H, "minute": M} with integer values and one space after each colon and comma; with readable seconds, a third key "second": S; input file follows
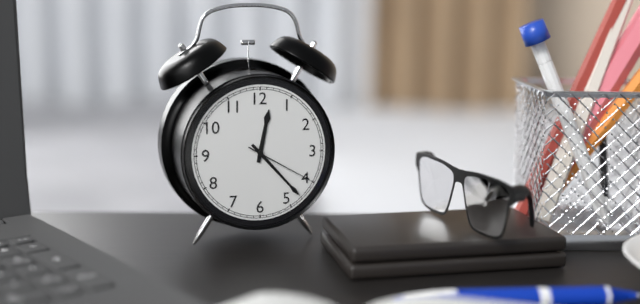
{"hour": 12, "minute": 23, "second": 20}
